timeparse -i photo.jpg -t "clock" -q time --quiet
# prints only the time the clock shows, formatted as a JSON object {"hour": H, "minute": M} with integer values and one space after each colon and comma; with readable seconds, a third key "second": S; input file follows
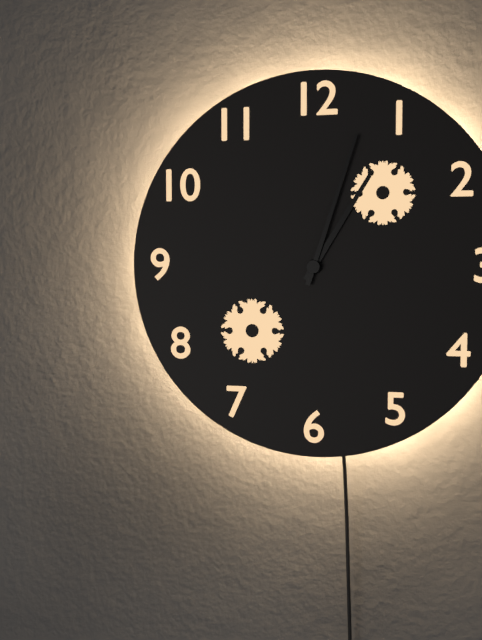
{"hour": 1, "minute": 3}
